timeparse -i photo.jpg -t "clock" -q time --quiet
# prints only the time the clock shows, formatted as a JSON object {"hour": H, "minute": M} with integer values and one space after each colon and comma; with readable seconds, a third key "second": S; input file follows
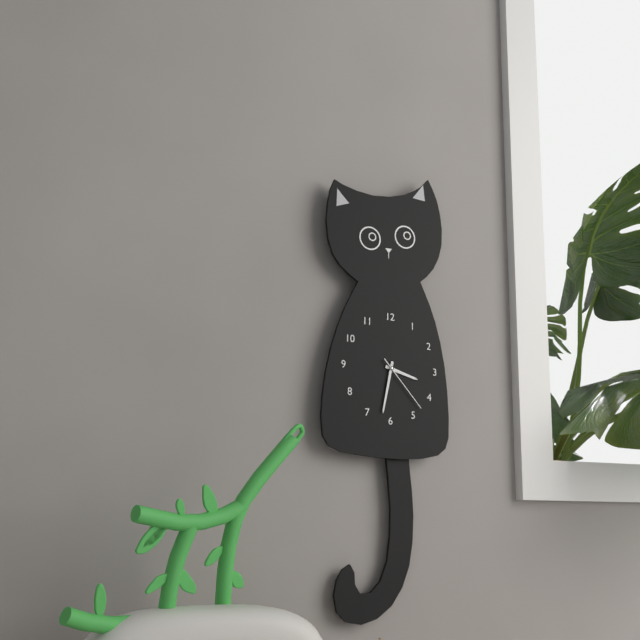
{"hour": 3, "minute": 32, "second": 23}
